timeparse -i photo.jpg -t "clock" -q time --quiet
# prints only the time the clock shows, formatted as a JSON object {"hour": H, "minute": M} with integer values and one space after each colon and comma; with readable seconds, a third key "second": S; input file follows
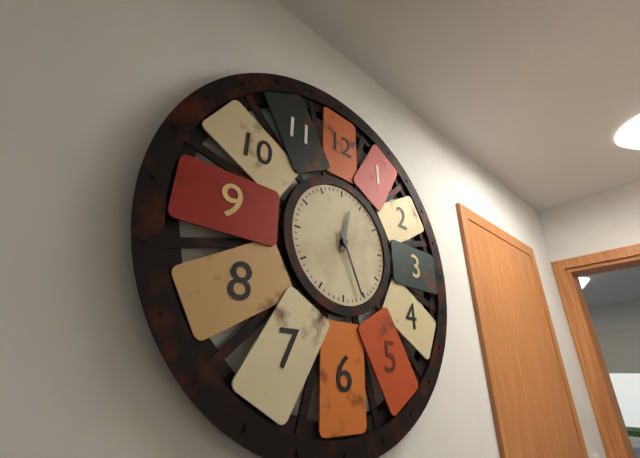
{"hour": 12, "minute": 26}
